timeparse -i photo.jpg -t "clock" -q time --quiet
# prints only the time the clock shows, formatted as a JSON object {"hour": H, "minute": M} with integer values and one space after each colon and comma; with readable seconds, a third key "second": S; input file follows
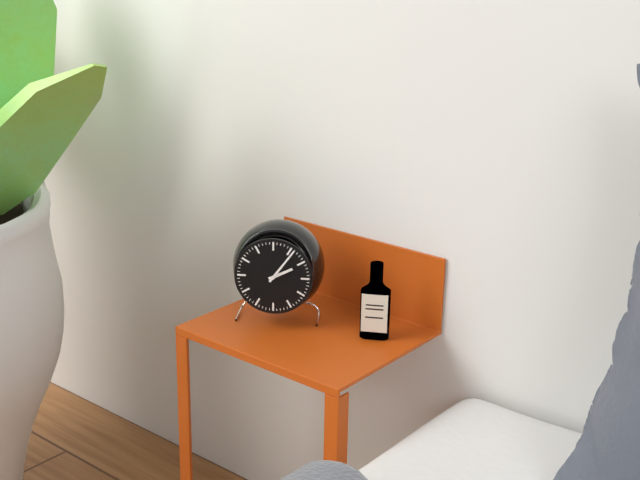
{"hour": 2, "minute": 6}
